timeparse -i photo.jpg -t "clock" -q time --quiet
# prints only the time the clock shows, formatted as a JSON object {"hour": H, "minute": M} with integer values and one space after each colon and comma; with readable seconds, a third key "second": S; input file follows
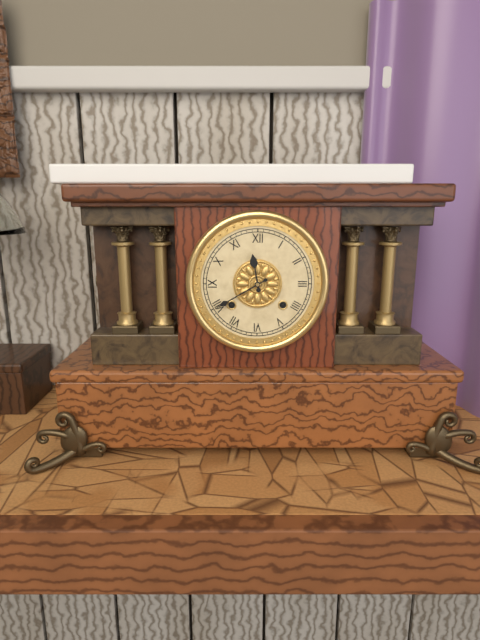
{"hour": 11, "minute": 40}
